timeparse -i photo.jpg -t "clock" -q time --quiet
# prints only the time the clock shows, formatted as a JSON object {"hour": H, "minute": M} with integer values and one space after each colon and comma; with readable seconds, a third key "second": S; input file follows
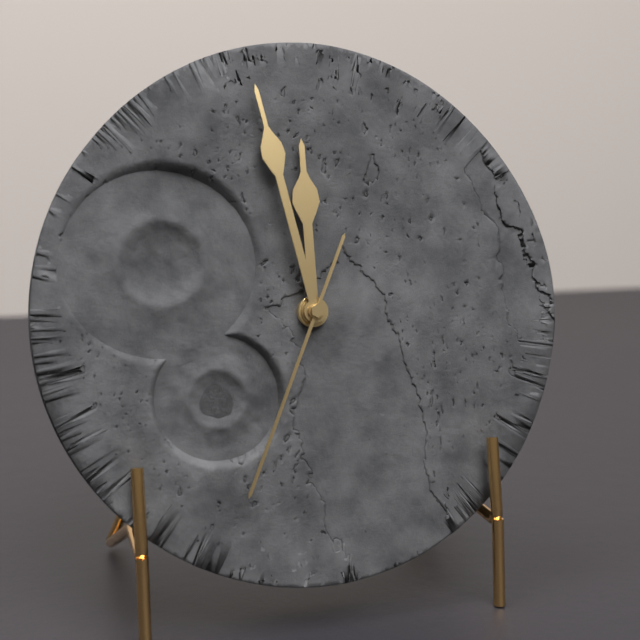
{"hour": 11, "minute": 58, "second": 34}
